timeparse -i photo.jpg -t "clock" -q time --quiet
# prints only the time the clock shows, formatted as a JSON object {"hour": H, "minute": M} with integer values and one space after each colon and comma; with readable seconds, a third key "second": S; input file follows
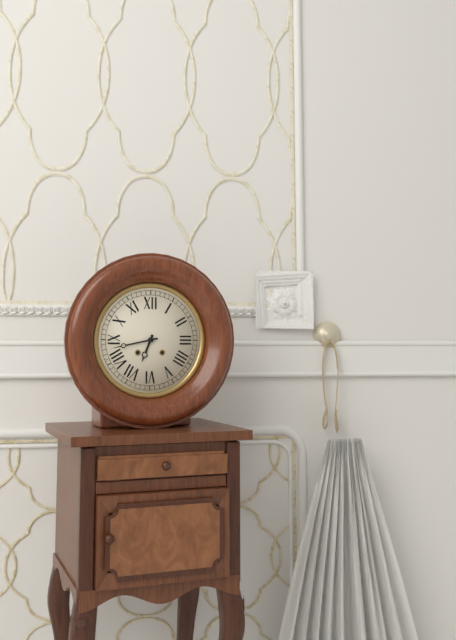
{"hour": 6, "minute": 43}
